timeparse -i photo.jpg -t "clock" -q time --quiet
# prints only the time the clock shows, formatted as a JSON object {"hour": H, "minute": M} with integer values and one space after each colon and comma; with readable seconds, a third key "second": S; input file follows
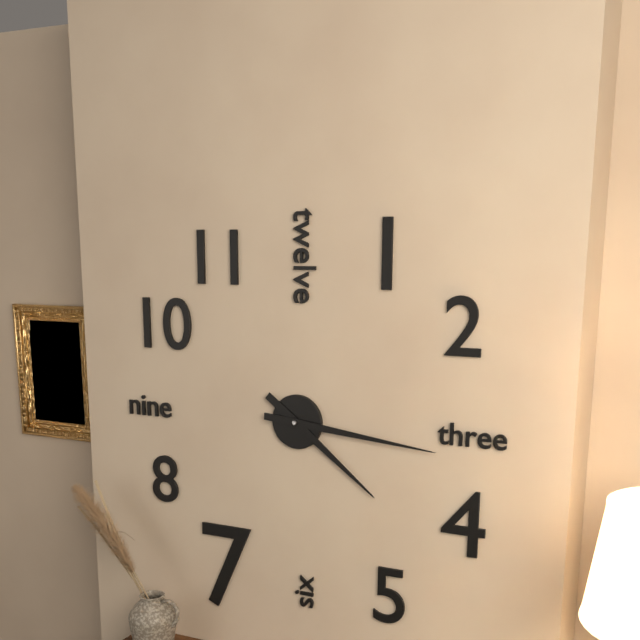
{"hour": 4, "minute": 16}
